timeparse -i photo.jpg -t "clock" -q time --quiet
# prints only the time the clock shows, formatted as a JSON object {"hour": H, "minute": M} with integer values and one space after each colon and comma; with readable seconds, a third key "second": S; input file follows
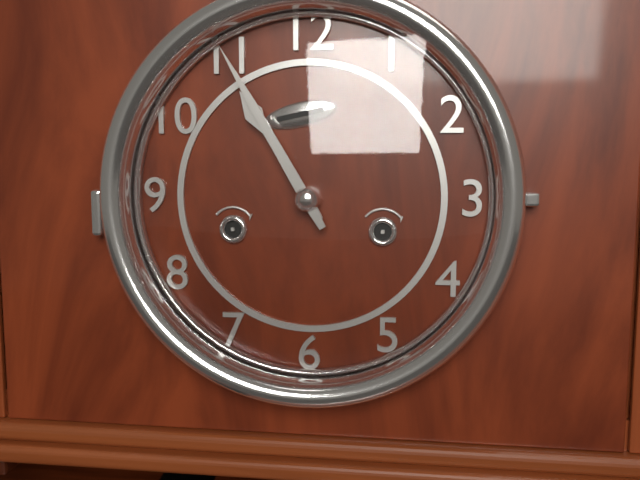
{"hour": 10, "minute": 55}
